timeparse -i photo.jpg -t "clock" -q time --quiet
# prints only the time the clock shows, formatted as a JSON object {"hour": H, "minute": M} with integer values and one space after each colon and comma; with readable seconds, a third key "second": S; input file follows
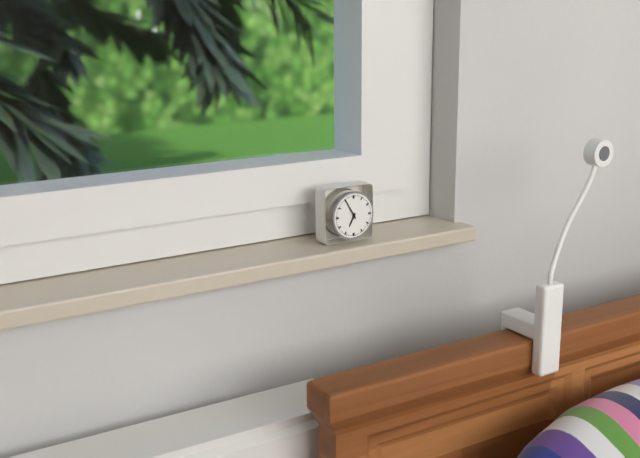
{"hour": 6, "minute": 55}
